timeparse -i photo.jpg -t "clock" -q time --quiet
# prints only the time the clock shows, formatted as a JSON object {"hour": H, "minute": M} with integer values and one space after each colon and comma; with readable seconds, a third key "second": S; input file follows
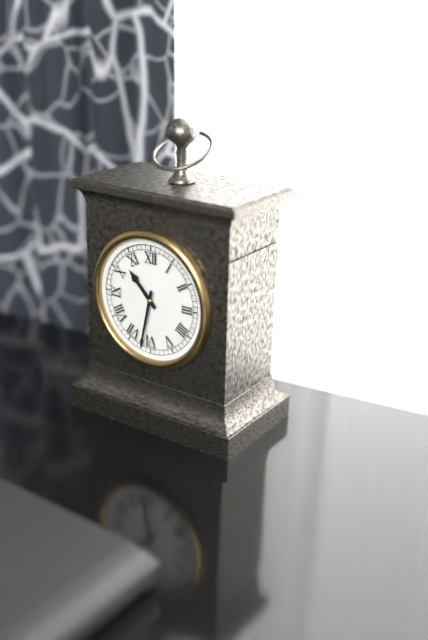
{"hour": 10, "minute": 32}
